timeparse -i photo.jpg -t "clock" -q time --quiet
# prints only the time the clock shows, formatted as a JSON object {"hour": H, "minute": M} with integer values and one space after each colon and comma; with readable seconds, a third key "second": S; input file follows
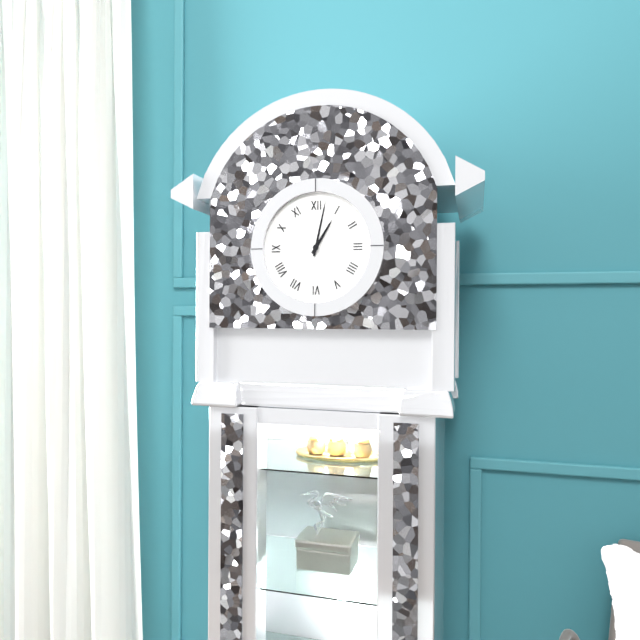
{"hour": 1, "minute": 2}
